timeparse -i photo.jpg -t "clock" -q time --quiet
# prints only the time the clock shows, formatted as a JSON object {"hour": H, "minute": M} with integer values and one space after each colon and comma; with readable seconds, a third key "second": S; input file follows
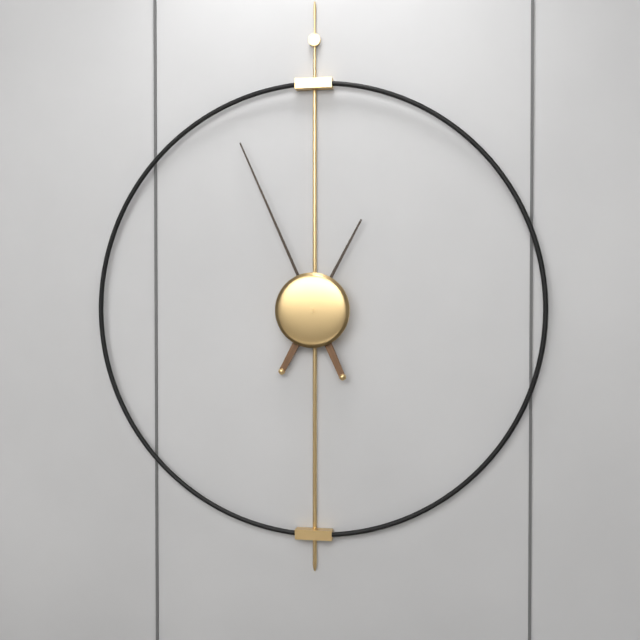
{"hour": 12, "minute": 56}
